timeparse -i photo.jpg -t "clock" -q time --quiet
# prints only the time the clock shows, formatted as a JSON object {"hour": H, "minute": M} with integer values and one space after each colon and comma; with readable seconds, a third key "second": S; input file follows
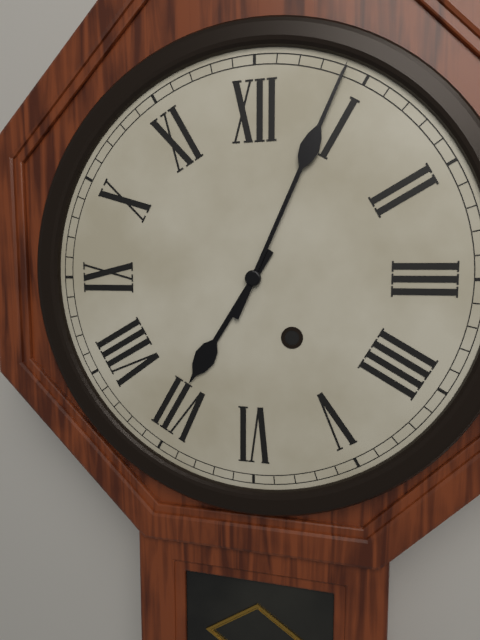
{"hour": 7, "minute": 4}
